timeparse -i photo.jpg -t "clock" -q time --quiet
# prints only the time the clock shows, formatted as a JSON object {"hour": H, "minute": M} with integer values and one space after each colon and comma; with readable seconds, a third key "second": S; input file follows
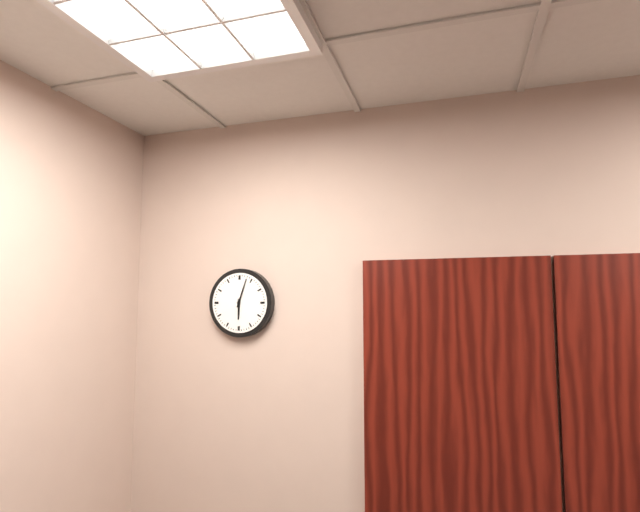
{"hour": 6, "minute": 3}
